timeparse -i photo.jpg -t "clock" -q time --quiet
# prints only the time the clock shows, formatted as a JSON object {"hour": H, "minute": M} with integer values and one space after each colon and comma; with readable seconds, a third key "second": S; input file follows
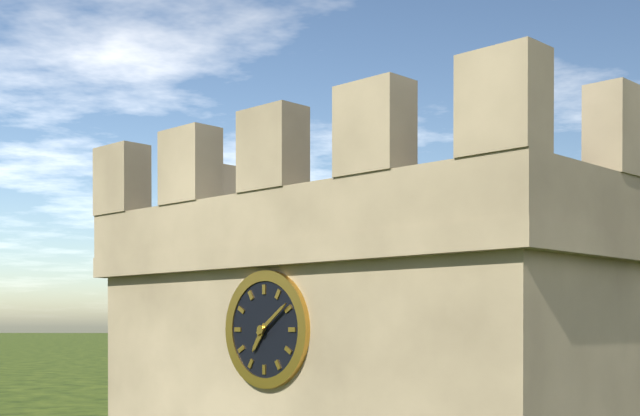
{"hour": 7, "minute": 9}
